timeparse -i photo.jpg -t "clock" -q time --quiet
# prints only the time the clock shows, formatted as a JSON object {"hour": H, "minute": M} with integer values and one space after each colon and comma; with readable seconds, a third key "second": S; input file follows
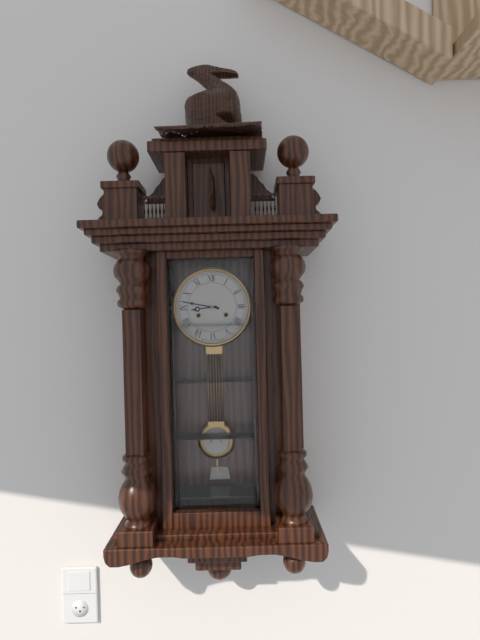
{"hour": 8, "minute": 47}
